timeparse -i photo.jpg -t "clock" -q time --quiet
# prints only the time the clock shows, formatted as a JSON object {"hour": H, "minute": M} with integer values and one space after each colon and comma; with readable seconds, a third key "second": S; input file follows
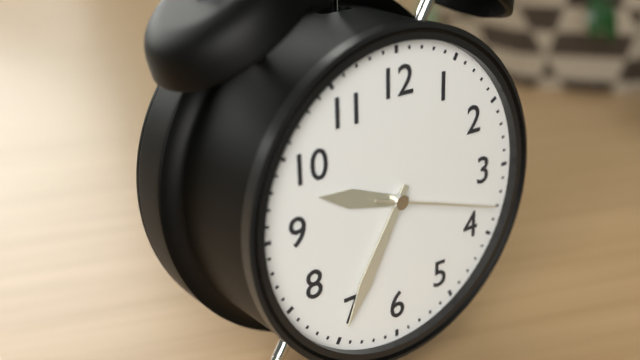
{"hour": 9, "minute": 35, "second": 18}
